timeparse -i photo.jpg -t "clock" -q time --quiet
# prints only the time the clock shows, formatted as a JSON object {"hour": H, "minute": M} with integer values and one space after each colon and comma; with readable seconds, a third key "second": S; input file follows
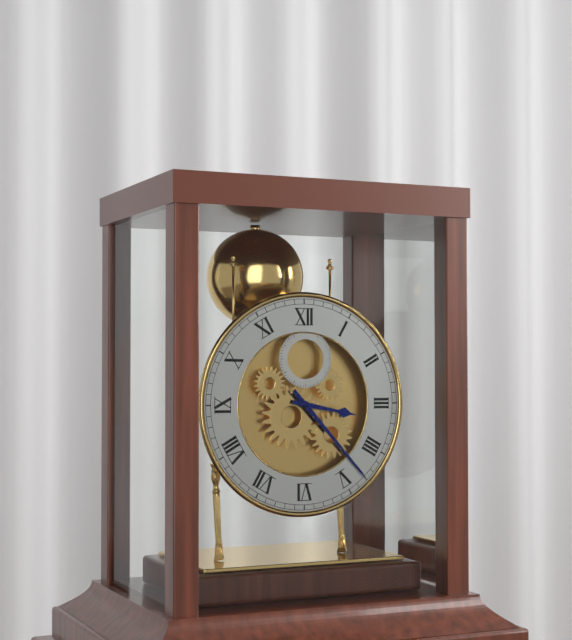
{"hour": 3, "minute": 23}
